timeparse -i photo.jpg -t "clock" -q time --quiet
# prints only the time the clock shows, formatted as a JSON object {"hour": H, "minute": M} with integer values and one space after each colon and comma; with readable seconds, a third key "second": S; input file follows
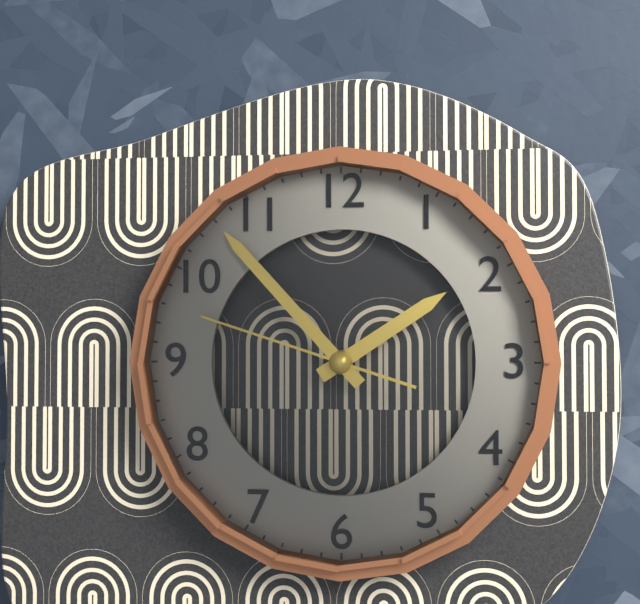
{"hour": 1, "minute": 53, "second": 48}
